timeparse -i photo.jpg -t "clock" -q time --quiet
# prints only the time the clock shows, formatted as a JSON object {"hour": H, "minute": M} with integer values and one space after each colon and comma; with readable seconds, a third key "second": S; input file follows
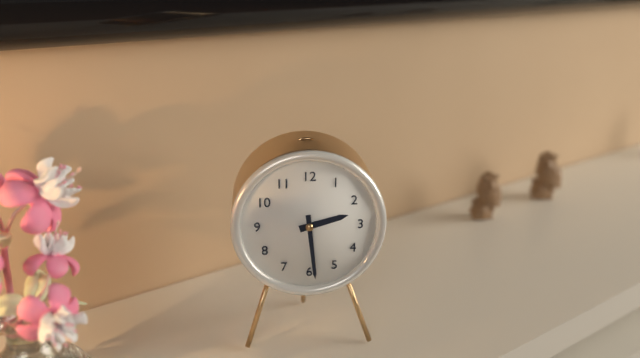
{"hour": 2, "minute": 29}
